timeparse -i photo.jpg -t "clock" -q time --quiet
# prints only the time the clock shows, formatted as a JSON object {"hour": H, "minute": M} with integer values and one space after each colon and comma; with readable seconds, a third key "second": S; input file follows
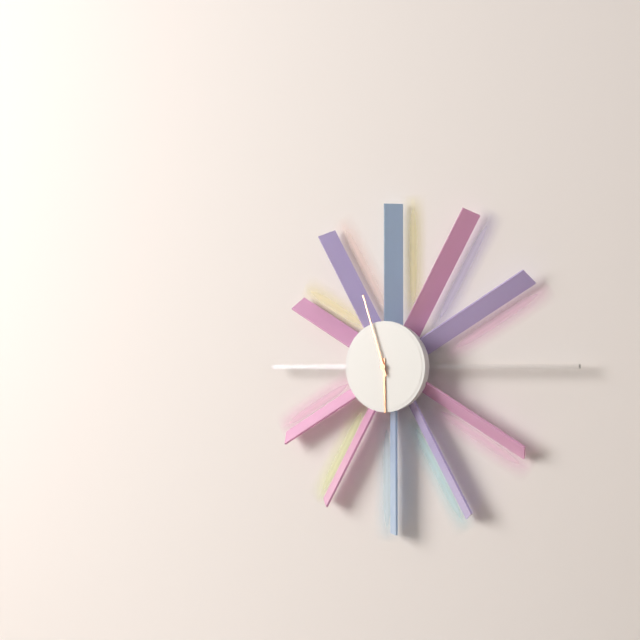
{"hour": 5, "minute": 57}
